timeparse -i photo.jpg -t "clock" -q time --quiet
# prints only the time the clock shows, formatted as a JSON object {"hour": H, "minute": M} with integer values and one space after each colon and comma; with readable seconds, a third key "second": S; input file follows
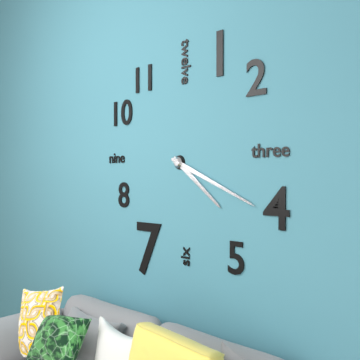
{"hour": 4, "minute": 19}
